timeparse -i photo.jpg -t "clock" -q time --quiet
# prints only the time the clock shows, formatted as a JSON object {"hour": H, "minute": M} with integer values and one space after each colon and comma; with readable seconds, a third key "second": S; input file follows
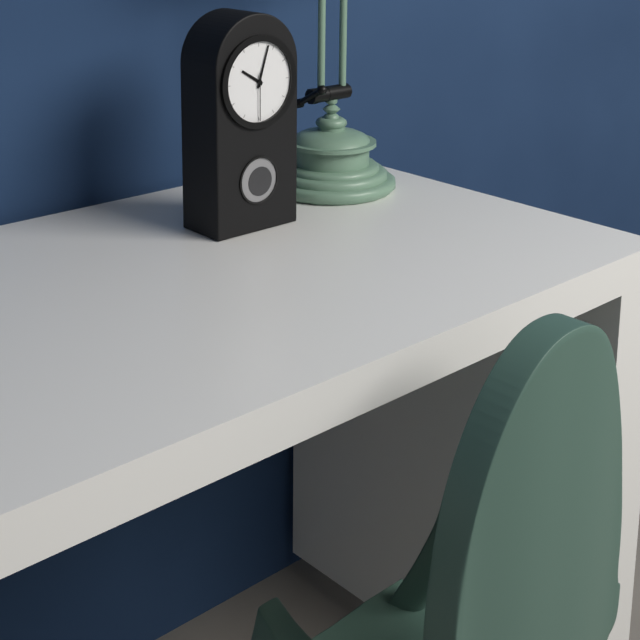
{"hour": 10, "minute": 3}
